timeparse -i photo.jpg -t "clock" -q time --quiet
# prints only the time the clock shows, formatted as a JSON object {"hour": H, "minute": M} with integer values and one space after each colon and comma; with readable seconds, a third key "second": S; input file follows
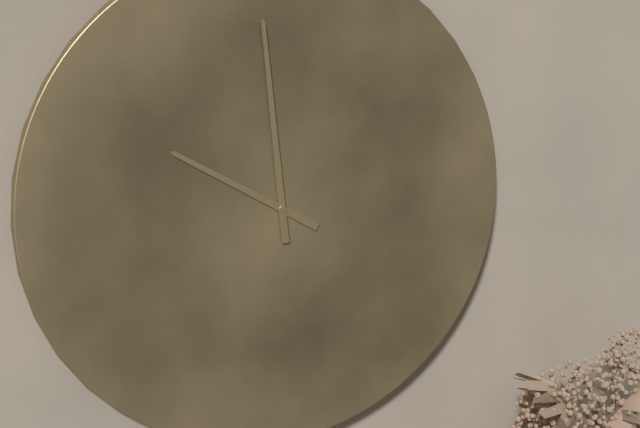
{"hour": 9, "minute": 59}
